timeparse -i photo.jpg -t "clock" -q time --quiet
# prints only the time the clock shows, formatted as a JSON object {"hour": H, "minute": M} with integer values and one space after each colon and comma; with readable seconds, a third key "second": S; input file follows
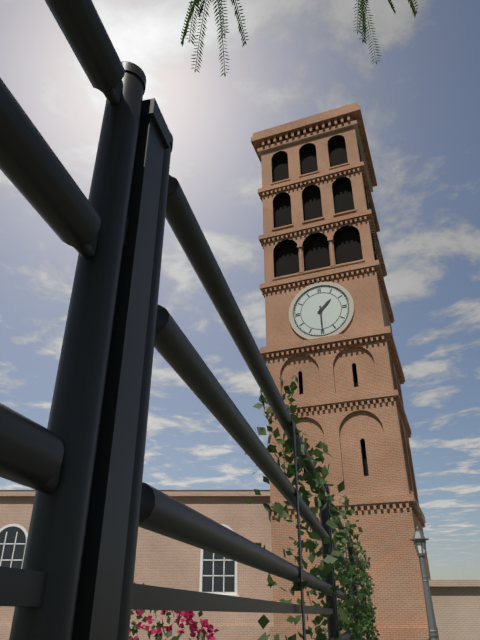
{"hour": 1, "minute": 30}
